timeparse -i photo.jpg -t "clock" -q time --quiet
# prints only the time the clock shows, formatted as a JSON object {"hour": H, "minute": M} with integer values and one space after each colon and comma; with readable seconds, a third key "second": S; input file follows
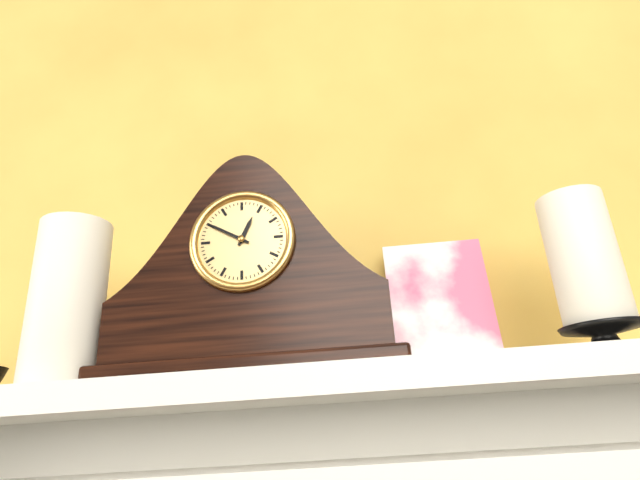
{"hour": 12, "minute": 50}
